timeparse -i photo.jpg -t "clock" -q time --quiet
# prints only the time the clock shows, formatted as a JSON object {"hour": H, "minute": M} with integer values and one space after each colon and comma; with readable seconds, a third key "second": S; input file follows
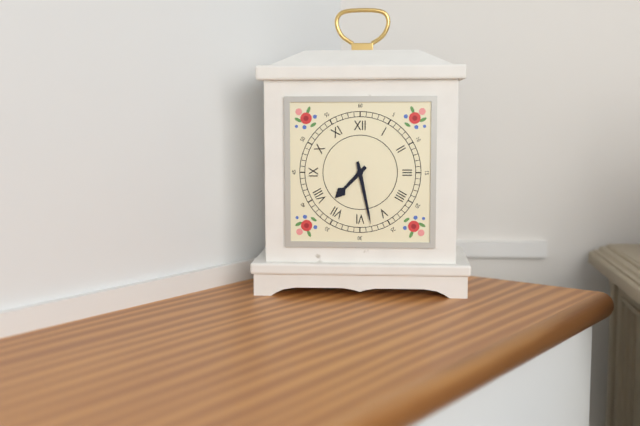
{"hour": 7, "minute": 28}
